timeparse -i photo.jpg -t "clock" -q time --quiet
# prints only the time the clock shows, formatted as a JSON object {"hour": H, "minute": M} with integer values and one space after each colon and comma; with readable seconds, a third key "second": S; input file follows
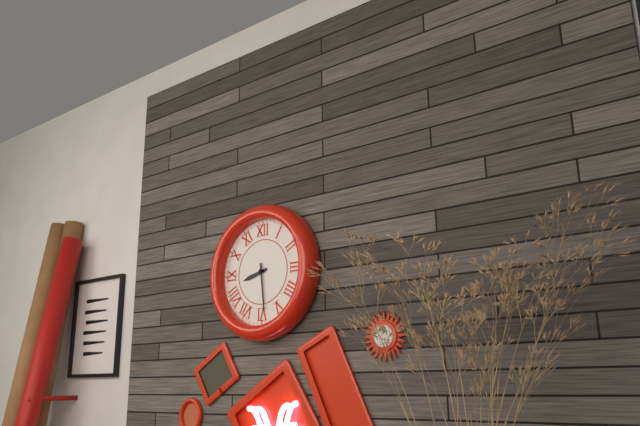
{"hour": 8, "minute": 29}
